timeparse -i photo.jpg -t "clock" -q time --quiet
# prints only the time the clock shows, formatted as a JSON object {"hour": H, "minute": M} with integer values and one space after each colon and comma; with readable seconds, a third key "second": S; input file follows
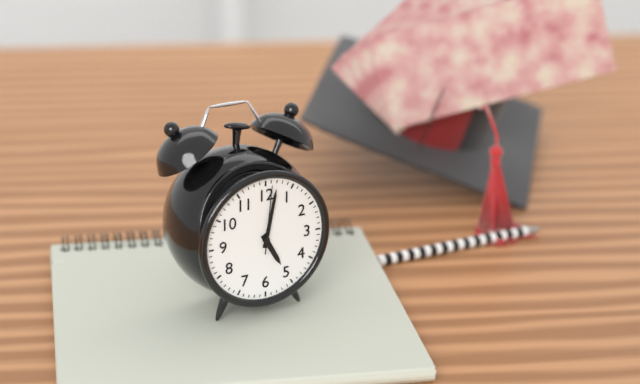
{"hour": 5, "minute": 2, "second": 1}
